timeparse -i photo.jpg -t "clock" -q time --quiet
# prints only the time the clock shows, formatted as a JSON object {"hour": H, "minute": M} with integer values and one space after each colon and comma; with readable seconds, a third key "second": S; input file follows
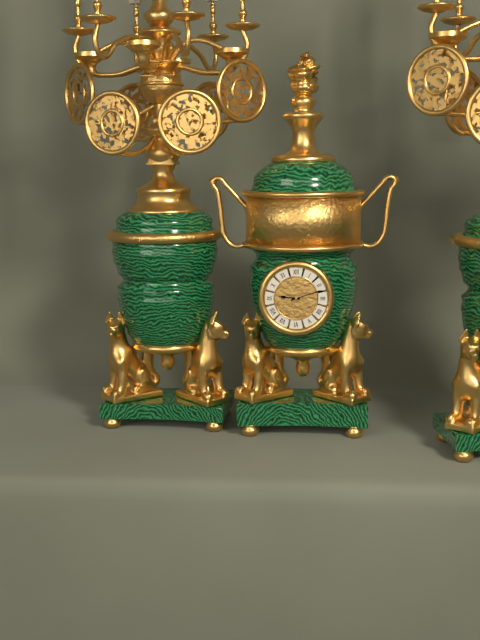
{"hour": 9, "minute": 12}
